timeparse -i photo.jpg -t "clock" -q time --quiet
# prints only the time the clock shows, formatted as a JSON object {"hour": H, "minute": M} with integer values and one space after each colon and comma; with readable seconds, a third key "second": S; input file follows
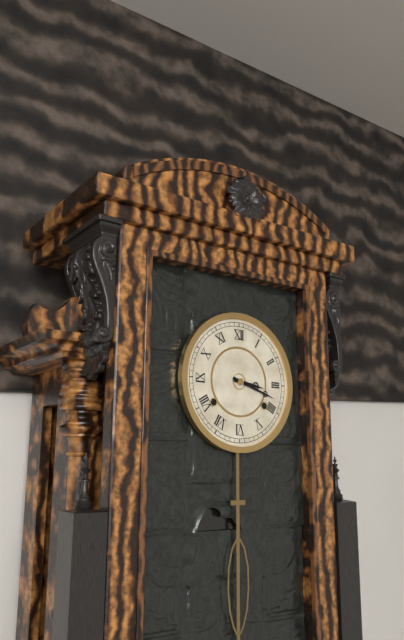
{"hour": 3, "minute": 18}
